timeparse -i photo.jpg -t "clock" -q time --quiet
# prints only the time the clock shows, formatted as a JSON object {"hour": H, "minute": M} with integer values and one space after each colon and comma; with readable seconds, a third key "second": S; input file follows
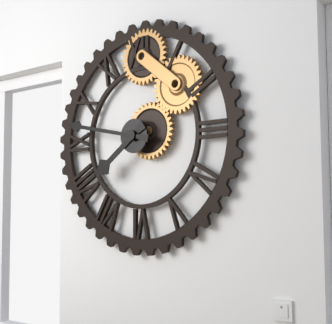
{"hour": 7, "minute": 47}
